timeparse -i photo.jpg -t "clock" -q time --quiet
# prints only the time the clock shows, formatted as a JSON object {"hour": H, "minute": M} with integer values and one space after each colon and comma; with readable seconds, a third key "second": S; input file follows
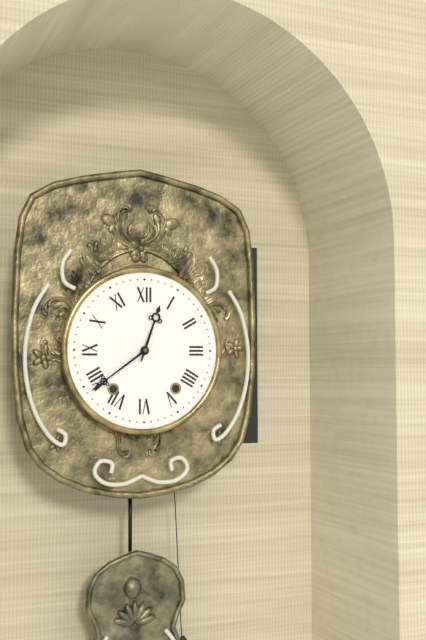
{"hour": 12, "minute": 39}
